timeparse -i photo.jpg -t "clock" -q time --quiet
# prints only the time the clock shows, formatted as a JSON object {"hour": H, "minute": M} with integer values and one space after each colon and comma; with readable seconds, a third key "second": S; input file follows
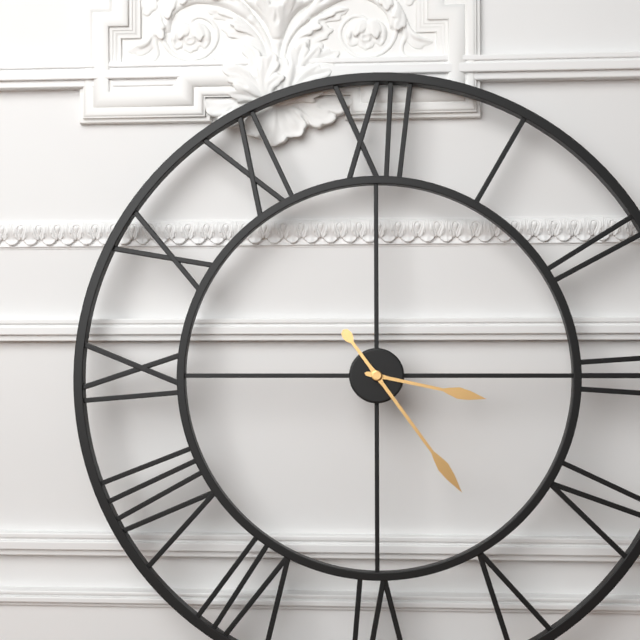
{"hour": 3, "minute": 24}
